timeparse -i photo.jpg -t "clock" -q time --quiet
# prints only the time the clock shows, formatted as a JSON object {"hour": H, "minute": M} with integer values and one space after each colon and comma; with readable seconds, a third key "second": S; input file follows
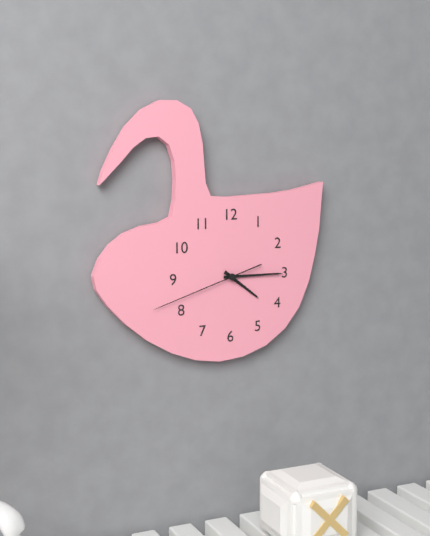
{"hour": 4, "minute": 15, "second": 42}
